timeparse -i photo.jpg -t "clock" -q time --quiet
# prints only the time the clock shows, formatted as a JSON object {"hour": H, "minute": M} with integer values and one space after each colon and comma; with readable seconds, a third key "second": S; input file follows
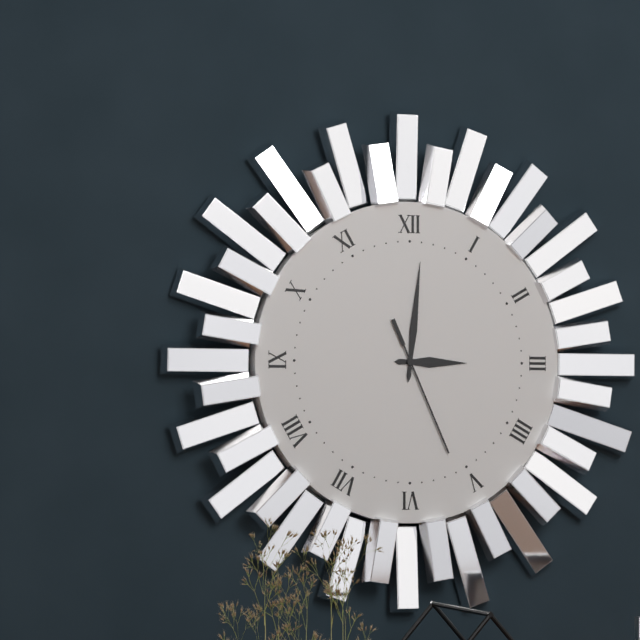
{"hour": 3, "minute": 1, "second": 26}
